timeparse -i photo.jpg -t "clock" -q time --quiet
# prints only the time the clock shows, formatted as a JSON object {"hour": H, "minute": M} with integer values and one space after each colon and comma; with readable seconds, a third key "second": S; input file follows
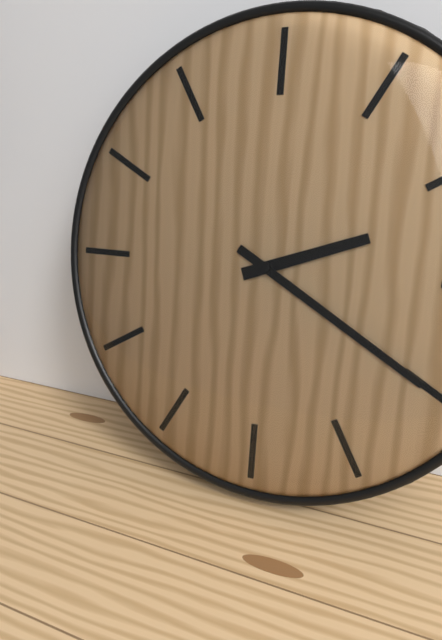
{"hour": 2, "minute": 20}
